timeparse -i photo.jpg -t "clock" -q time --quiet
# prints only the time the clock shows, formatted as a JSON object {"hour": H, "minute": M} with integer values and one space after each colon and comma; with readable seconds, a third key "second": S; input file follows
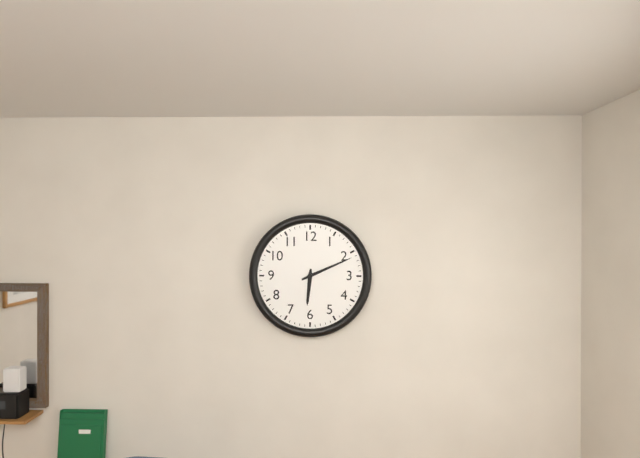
{"hour": 6, "minute": 11}
